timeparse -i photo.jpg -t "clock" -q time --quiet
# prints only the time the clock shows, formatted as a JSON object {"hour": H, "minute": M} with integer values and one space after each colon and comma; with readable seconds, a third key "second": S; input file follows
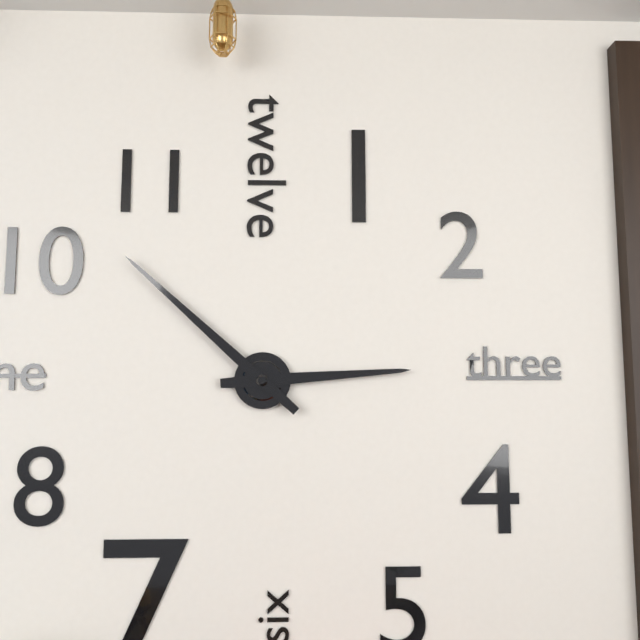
{"hour": 2, "minute": 52}
